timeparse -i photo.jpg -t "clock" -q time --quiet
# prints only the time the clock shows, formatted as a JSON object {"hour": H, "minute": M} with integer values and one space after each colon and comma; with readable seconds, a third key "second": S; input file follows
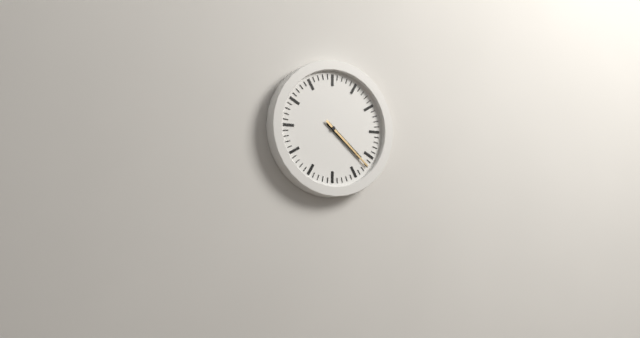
{"hour": 4, "minute": 22}
